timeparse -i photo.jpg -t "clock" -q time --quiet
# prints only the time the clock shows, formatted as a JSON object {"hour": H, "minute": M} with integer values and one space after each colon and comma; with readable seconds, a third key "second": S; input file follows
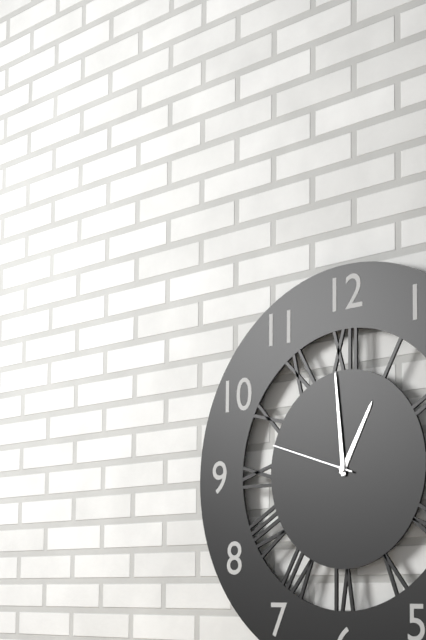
{"hour": 12, "minute": 59, "second": 48}
